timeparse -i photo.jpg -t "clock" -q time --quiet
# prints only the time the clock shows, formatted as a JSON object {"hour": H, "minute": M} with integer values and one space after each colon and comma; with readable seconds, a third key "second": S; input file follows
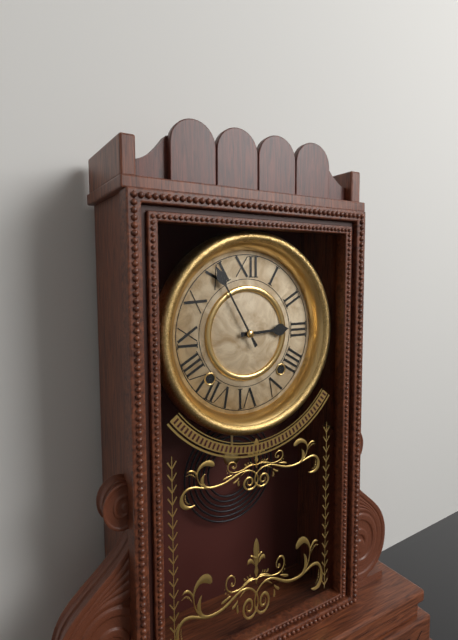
{"hour": 2, "minute": 55}
